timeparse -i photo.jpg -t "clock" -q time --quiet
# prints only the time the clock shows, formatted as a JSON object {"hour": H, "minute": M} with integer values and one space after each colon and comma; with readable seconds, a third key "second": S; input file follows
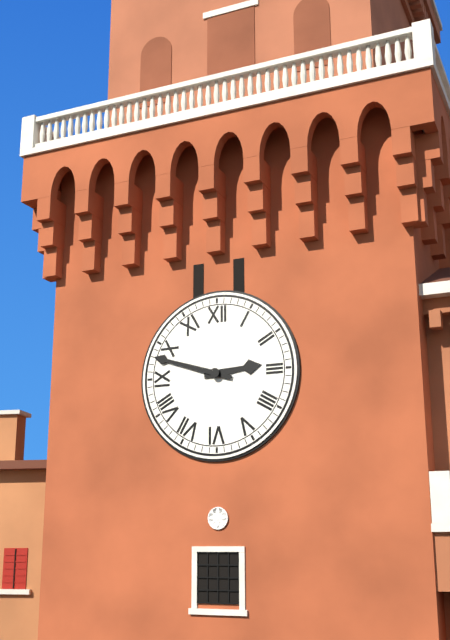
{"hour": 2, "minute": 48}
